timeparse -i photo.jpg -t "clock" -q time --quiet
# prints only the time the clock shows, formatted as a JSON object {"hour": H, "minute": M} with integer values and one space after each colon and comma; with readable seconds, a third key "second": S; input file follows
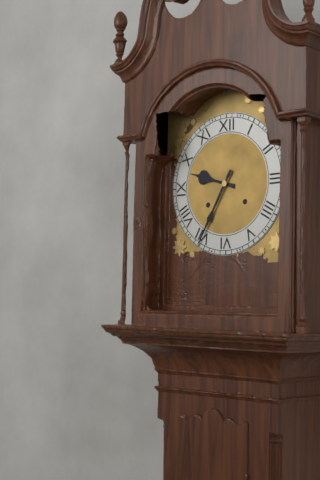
{"hour": 9, "minute": 35}
